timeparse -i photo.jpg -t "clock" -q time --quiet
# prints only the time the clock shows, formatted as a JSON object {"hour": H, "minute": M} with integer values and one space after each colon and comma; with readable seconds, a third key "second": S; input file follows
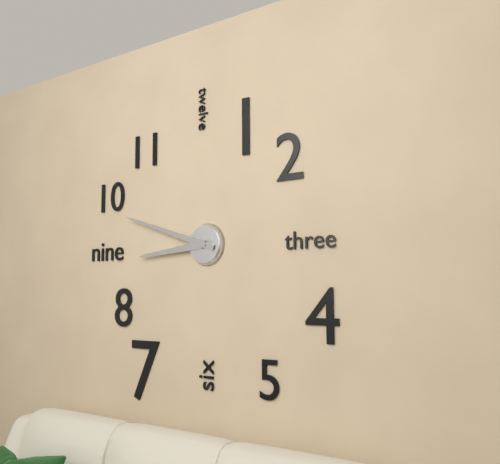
{"hour": 8, "minute": 48}
